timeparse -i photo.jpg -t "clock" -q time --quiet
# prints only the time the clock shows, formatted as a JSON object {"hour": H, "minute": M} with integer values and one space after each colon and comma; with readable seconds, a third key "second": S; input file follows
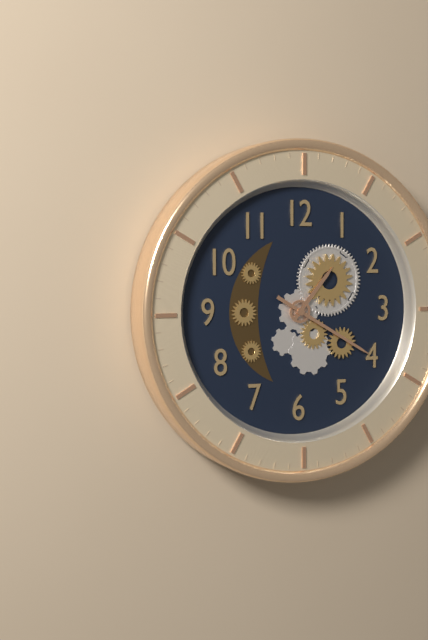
{"hour": 1, "minute": 20}
